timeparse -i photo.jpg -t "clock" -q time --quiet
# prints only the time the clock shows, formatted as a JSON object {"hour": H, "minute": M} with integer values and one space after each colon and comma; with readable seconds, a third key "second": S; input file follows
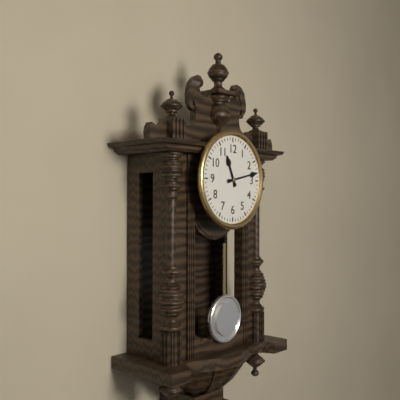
{"hour": 11, "minute": 13}
